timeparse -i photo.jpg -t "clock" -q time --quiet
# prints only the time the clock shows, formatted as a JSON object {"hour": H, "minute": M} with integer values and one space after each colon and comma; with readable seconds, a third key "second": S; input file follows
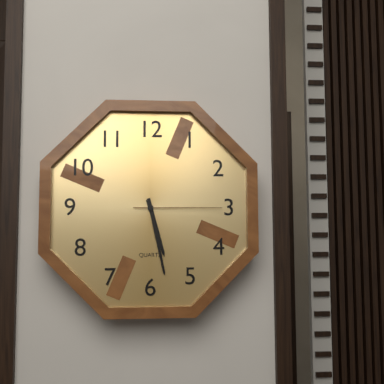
{"hour": 5, "minute": 28, "second": 15}
